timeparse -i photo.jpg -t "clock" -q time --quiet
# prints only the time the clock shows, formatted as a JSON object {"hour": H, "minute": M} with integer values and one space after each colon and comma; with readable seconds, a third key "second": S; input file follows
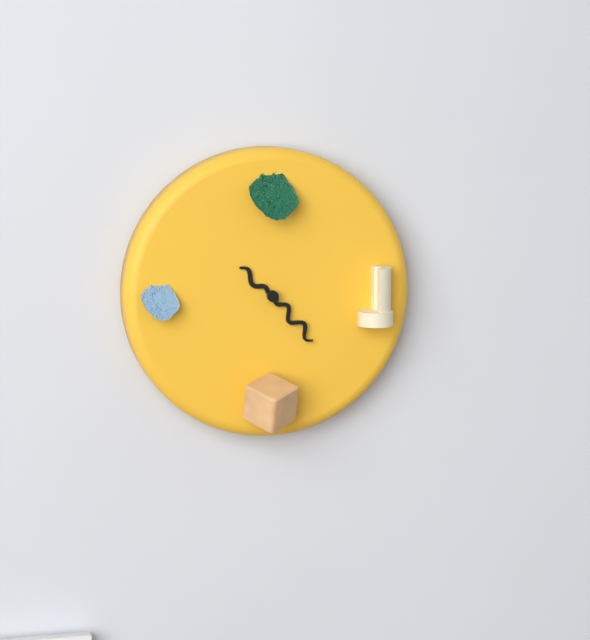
{"hour": 10, "minute": 23}
